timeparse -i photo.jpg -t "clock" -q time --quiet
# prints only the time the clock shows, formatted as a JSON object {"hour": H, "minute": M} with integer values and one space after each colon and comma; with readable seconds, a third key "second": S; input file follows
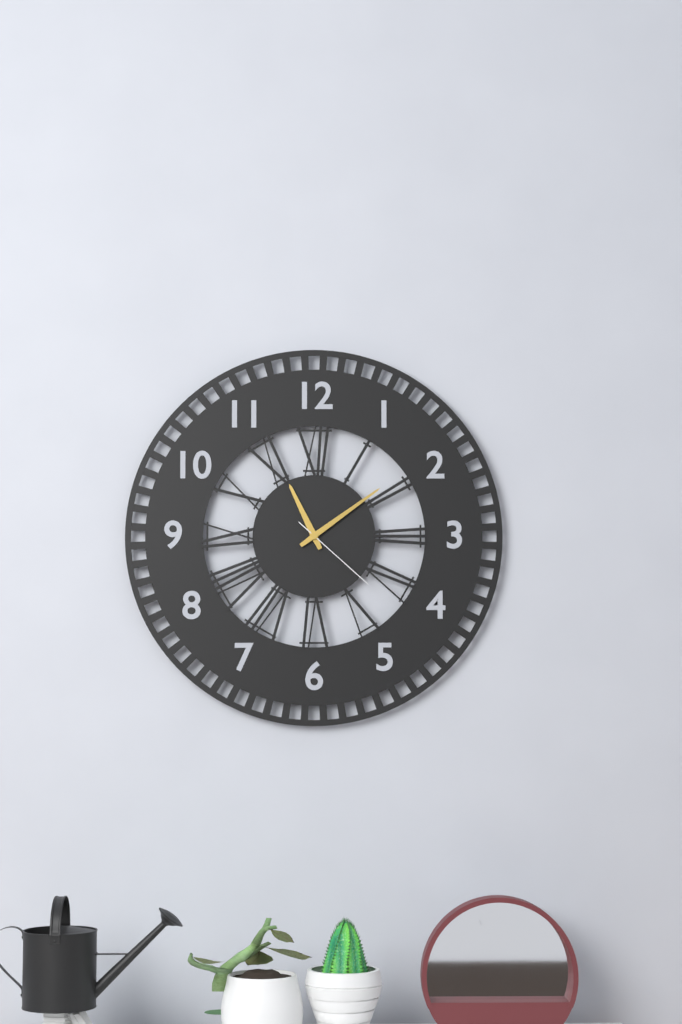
{"hour": 11, "minute": 9, "second": 22}
